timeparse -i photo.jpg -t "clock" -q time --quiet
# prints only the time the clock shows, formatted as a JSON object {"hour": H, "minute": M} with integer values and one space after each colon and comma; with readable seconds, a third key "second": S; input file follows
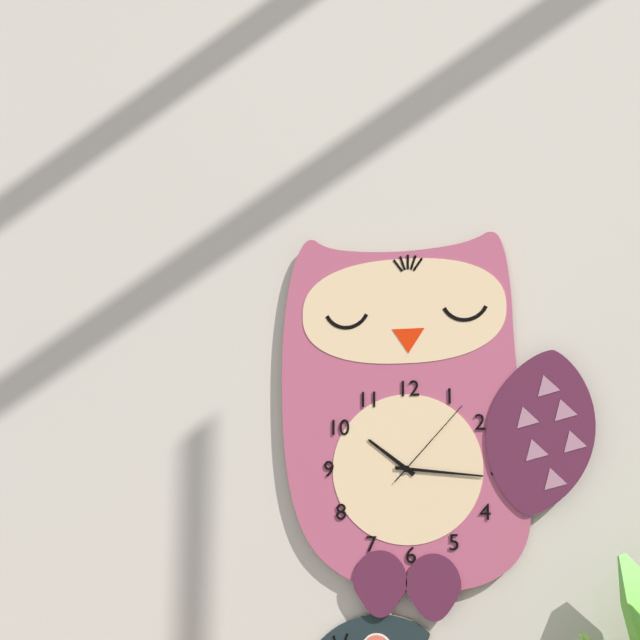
{"hour": 10, "minute": 16, "second": 7}
